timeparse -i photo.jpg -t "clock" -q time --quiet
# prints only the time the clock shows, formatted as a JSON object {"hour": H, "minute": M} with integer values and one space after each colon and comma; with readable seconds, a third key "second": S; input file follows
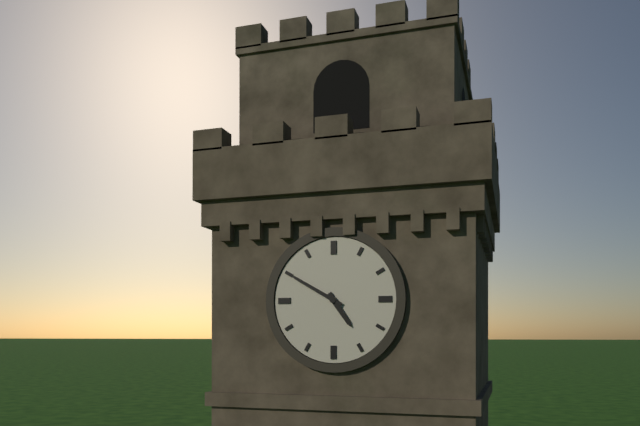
{"hour": 4, "minute": 50}
